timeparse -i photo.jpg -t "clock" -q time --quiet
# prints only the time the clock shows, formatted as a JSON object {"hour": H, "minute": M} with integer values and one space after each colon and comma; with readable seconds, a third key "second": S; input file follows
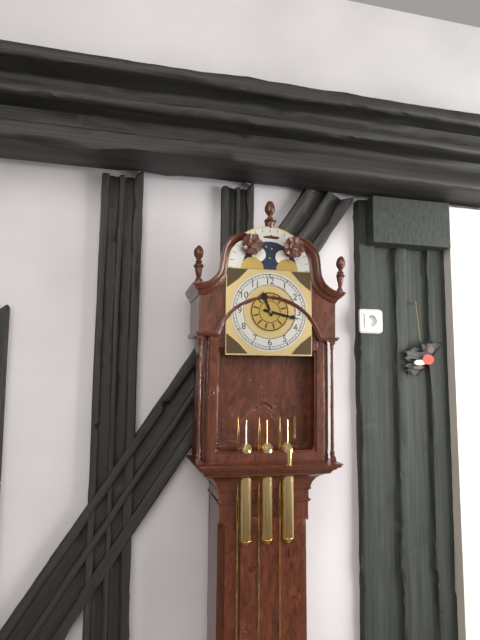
{"hour": 11, "minute": 17}
